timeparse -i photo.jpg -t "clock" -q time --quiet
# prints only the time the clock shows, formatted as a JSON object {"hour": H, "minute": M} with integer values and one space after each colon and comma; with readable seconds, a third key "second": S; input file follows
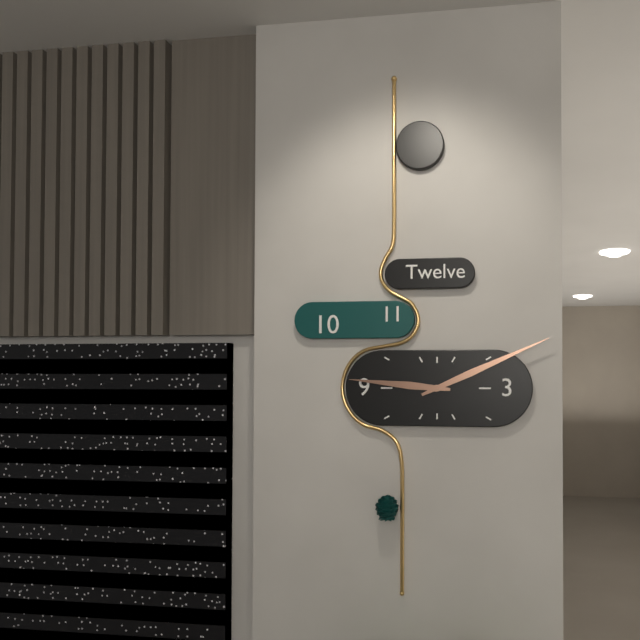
{"hour": 9, "minute": 11}
